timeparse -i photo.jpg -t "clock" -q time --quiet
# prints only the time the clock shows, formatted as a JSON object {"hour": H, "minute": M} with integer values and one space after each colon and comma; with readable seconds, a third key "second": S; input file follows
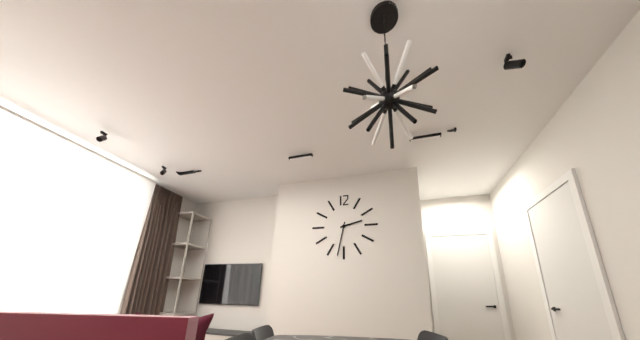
{"hour": 2, "minute": 32}
